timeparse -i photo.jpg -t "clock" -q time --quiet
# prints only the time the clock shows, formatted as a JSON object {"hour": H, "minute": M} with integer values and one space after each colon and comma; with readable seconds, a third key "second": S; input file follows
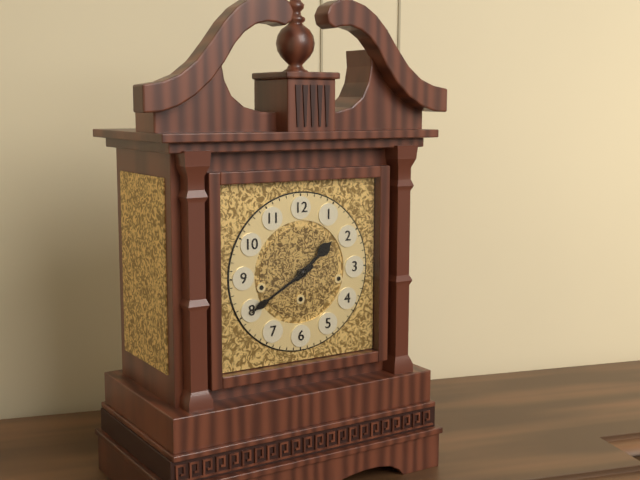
{"hour": 1, "minute": 40}
